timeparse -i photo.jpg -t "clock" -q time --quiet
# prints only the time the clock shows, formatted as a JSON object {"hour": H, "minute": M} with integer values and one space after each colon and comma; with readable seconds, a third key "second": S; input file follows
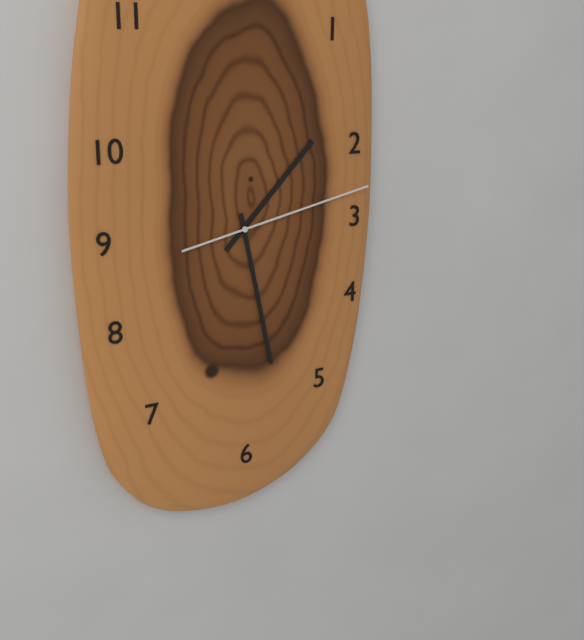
{"hour": 1, "minute": 28, "second": 13}
